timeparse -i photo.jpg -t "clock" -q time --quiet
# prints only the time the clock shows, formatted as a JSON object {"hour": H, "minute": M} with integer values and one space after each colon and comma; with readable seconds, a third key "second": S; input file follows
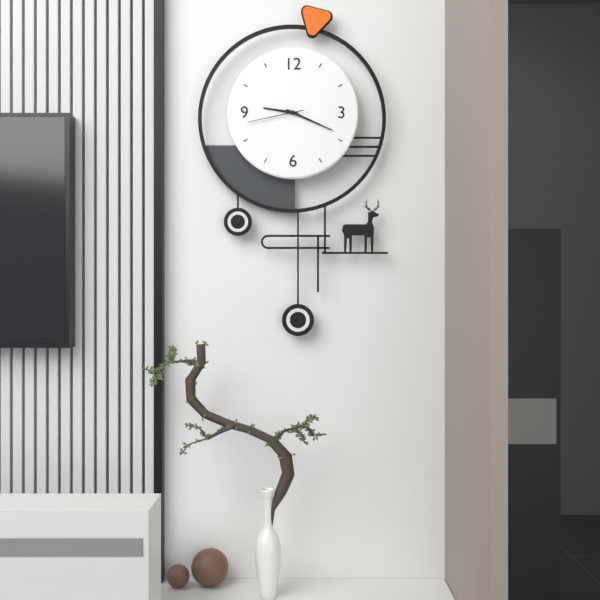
{"hour": 9, "minute": 19, "second": 43}
